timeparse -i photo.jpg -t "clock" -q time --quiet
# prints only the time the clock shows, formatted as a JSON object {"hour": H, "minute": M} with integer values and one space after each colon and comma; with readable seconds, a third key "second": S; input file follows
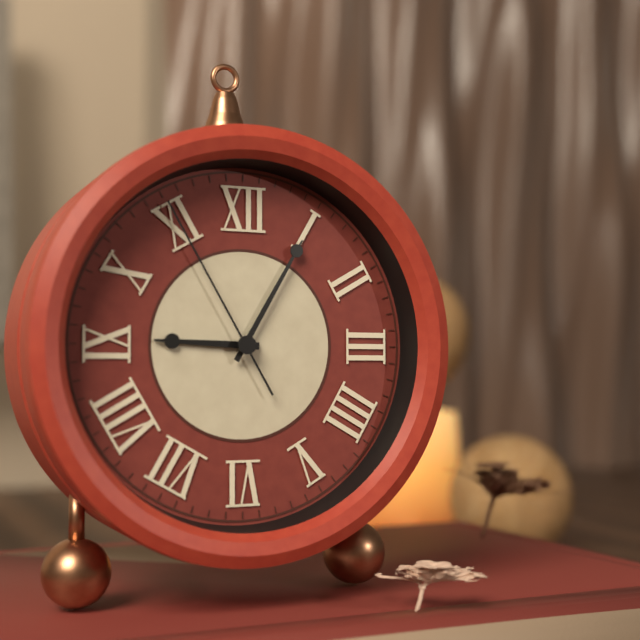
{"hour": 9, "minute": 5, "second": 55}
